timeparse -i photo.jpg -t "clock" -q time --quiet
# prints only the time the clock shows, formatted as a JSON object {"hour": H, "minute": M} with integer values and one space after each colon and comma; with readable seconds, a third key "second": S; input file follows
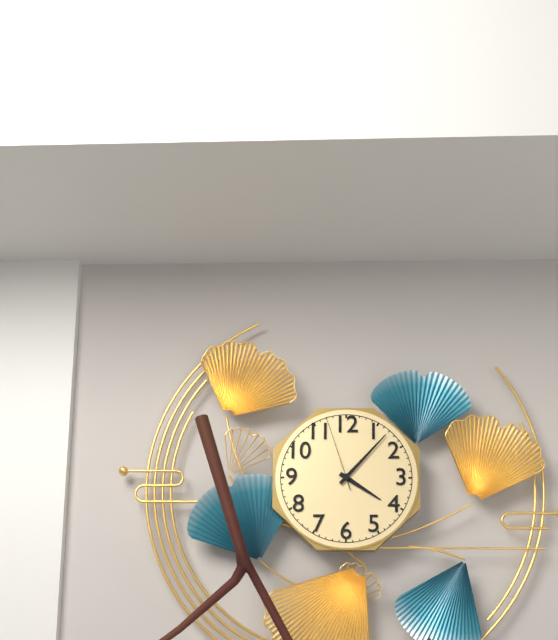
{"hour": 4, "minute": 7, "second": 57}
